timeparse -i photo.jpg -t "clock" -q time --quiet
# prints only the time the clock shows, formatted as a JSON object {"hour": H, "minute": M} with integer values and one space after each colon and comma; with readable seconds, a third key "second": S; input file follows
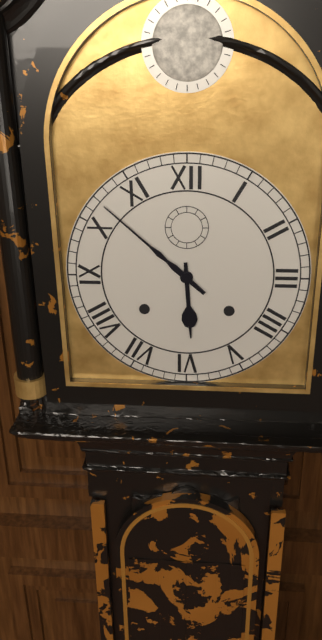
{"hour": 5, "minute": 52}
